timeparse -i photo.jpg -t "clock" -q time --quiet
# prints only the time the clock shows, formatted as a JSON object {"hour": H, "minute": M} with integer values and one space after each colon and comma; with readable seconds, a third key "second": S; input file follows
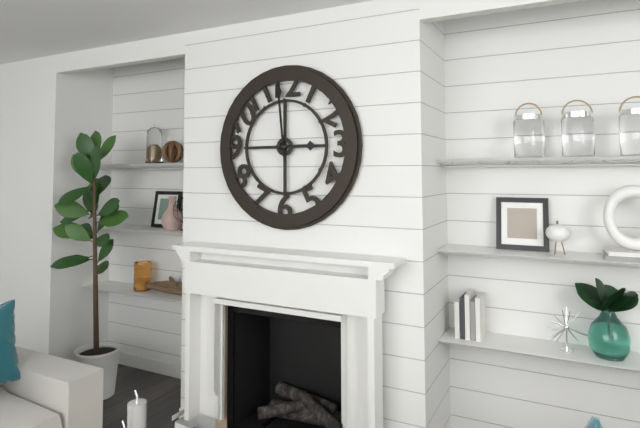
{"hour": 2, "minute": 59}
